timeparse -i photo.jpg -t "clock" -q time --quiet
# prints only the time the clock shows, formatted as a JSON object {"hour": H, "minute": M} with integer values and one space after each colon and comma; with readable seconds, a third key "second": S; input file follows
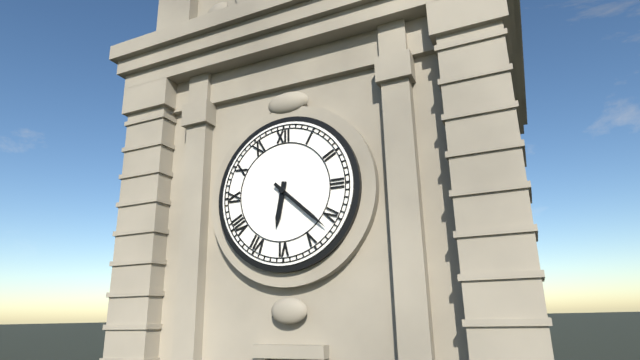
{"hour": 6, "minute": 22}
